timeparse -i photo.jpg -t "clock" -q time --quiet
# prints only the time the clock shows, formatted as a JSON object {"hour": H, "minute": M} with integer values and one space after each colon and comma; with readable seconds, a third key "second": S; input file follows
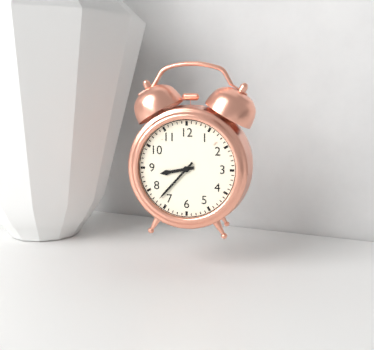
{"hour": 8, "minute": 37}
